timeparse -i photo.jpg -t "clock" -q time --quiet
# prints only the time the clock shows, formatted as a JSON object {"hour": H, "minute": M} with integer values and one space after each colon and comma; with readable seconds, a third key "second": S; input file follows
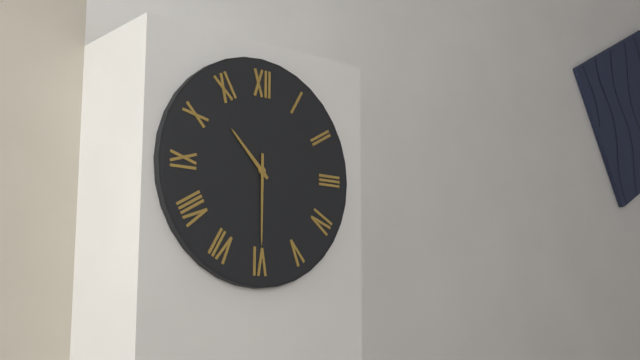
{"hour": 10, "minute": 30}
